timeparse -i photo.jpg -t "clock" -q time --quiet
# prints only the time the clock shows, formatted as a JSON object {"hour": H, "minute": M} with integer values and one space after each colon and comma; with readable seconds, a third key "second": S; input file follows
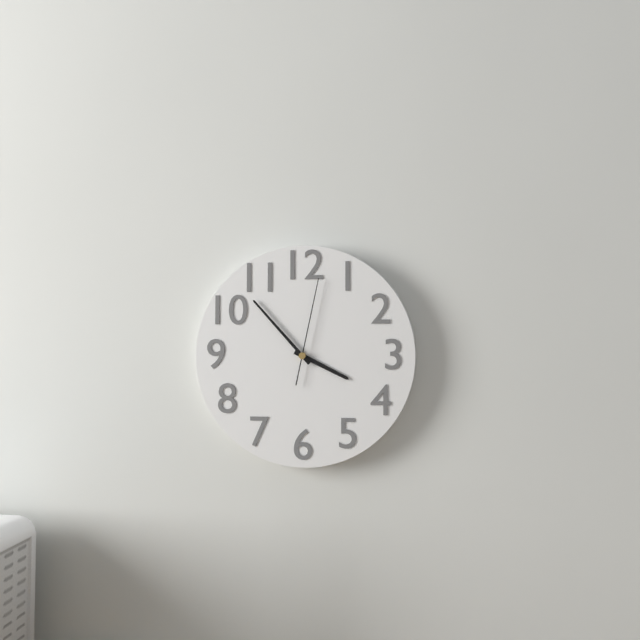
{"hour": 3, "minute": 53, "second": 2}
